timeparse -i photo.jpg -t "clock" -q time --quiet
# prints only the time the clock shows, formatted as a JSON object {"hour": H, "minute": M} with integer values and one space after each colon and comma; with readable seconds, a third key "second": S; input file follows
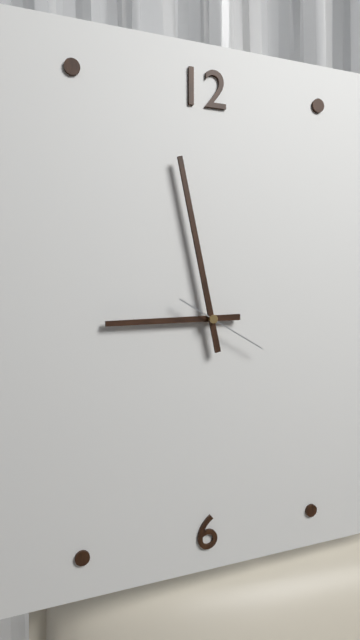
{"hour": 8, "minute": 58, "second": 20}
